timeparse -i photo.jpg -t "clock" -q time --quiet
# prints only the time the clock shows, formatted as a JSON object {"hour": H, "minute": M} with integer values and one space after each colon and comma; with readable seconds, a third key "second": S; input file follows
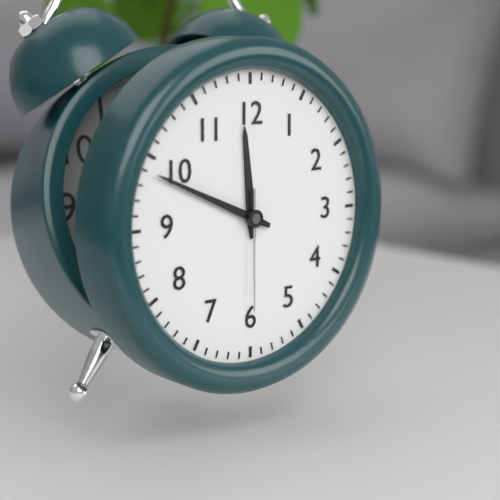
{"hour": 11, "minute": 49, "second": 30}
